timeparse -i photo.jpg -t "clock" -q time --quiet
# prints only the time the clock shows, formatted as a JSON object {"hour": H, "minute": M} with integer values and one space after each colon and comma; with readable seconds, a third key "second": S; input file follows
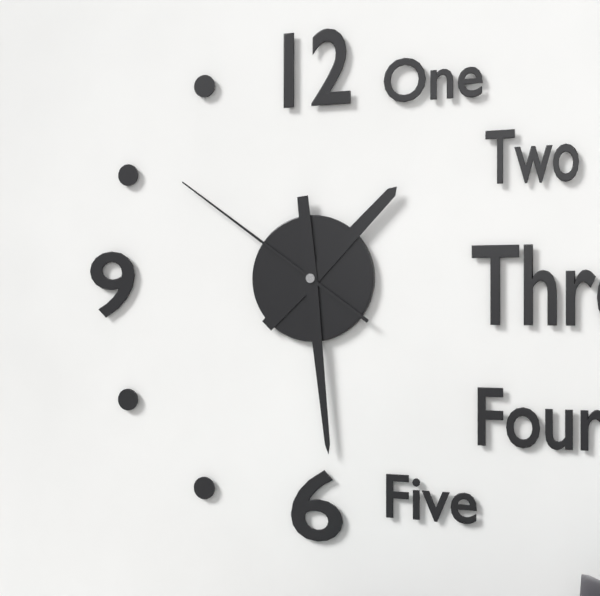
{"hour": 1, "minute": 29, "second": 51}
